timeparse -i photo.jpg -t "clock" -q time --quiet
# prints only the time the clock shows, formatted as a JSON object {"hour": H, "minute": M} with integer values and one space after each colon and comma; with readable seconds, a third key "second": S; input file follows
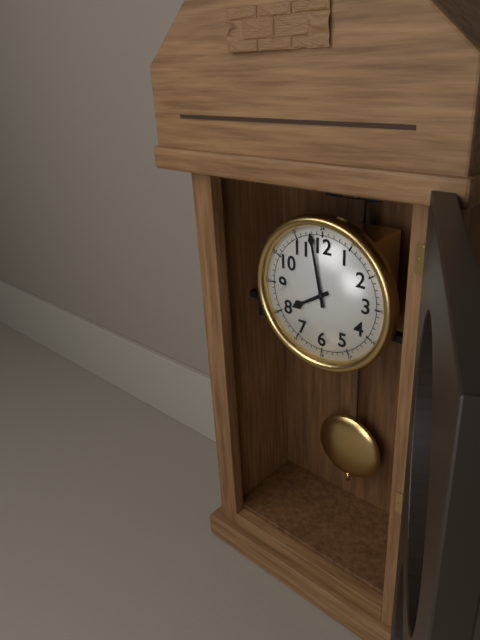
{"hour": 7, "minute": 58}
